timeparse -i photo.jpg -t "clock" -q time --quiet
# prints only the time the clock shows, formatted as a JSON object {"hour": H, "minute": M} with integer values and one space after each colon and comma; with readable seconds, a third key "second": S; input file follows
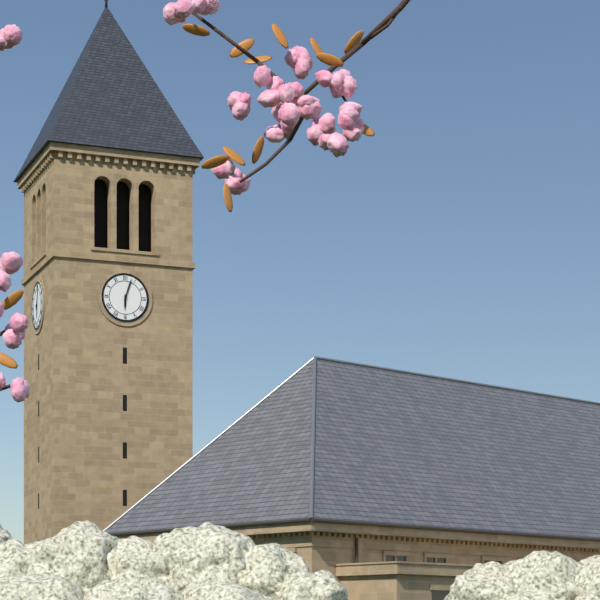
{"hour": 6, "minute": 3}
